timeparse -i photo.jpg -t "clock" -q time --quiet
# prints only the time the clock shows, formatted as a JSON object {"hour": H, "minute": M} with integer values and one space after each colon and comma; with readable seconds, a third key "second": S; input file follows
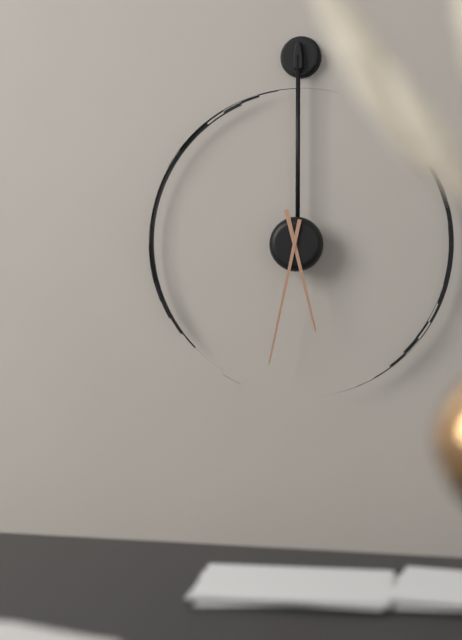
{"hour": 5, "minute": 32}
